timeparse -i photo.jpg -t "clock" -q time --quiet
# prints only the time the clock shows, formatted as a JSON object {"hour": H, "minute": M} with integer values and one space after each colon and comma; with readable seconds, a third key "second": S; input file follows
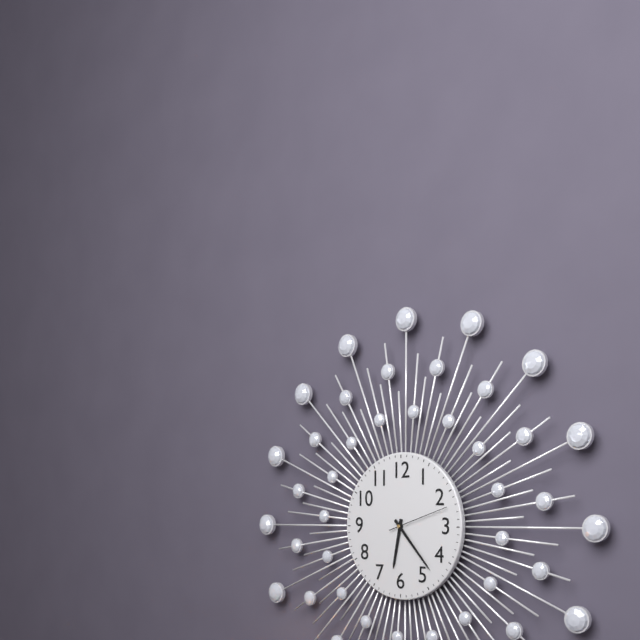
{"hour": 6, "minute": 23, "second": 12}
